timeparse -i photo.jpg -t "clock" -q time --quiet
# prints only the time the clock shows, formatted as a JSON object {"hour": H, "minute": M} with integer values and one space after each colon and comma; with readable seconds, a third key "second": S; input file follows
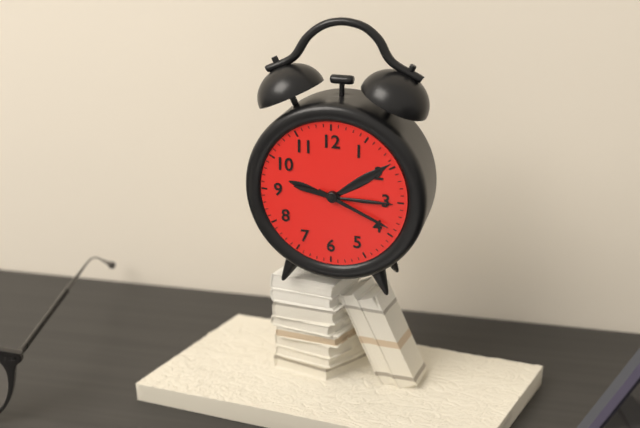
{"hour": 9, "minute": 19}
